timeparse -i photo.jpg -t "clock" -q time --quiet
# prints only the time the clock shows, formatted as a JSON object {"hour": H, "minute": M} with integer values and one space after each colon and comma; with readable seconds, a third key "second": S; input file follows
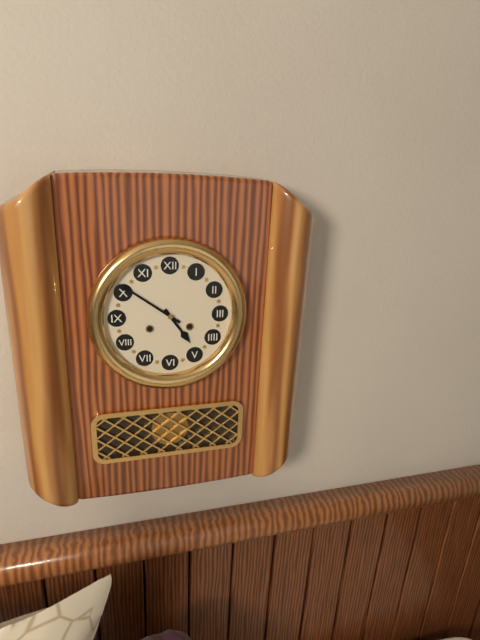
{"hour": 4, "minute": 51}
